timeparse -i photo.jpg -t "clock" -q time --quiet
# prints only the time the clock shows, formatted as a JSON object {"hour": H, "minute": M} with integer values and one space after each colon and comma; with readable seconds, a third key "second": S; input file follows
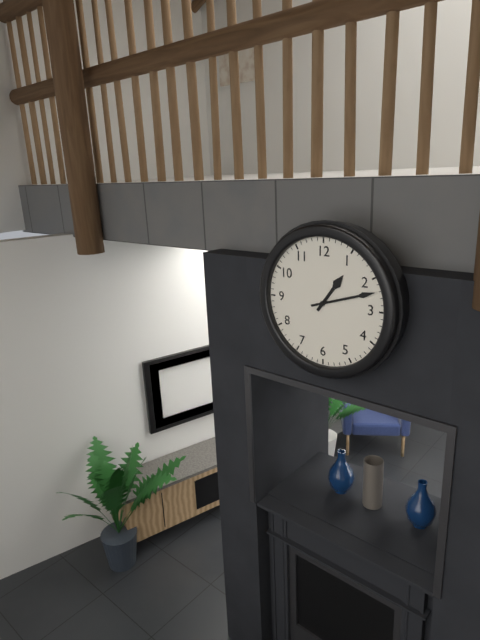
{"hour": 1, "minute": 12}
